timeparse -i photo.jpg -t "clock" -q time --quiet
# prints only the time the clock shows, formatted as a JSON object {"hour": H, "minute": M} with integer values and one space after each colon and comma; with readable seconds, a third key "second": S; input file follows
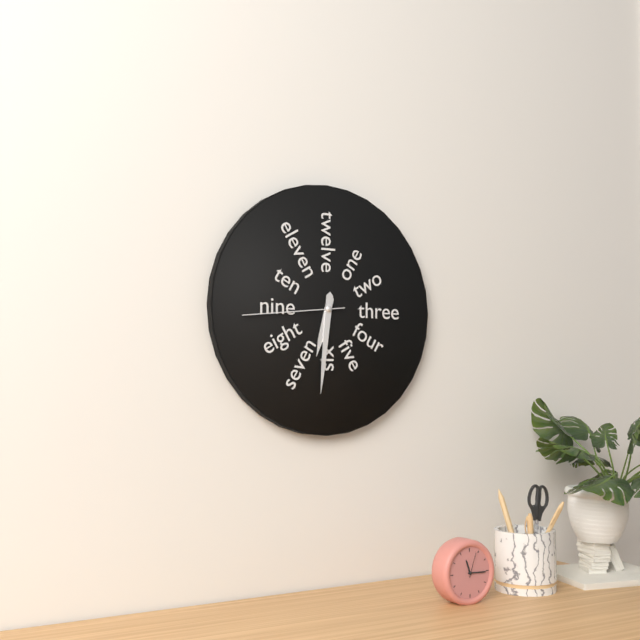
{"hour": 6, "minute": 31, "second": 44}
